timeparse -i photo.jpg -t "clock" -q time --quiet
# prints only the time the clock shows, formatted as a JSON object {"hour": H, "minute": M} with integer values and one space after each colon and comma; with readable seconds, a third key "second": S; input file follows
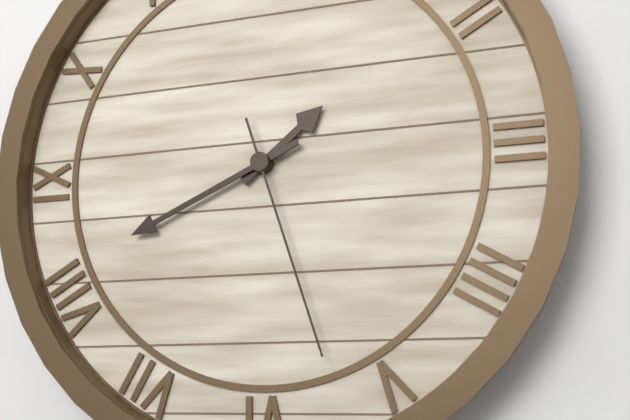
{"hour": 1, "minute": 41, "second": 27}
